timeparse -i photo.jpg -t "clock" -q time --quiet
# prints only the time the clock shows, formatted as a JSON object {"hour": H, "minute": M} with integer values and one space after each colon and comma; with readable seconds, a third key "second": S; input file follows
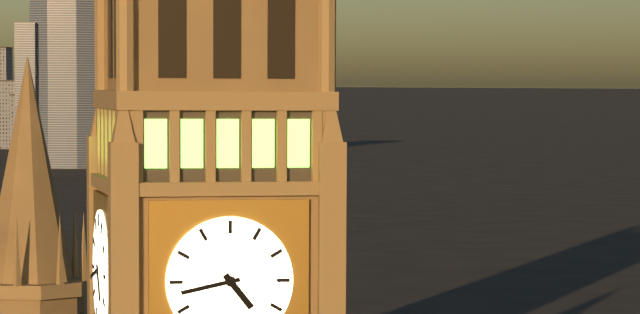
{"hour": 4, "minute": 43}
